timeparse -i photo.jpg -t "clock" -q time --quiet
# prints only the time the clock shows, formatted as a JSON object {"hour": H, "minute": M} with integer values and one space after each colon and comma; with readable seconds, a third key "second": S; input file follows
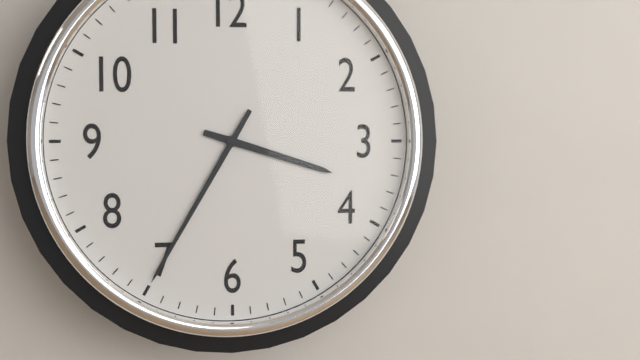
{"hour": 3, "minute": 35}
